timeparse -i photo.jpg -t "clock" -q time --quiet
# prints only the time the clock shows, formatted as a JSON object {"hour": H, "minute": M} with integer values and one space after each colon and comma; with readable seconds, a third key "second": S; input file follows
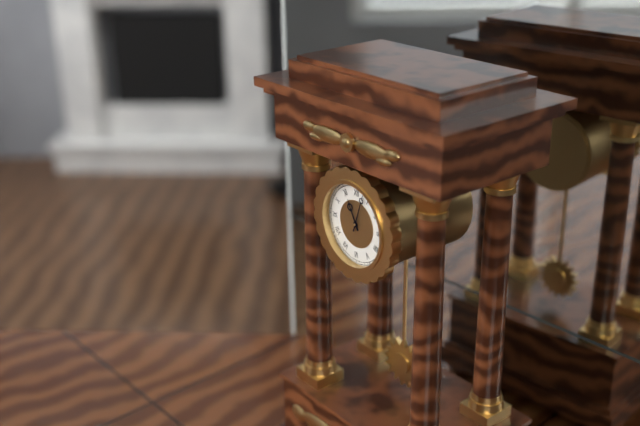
{"hour": 11, "minute": 3}
